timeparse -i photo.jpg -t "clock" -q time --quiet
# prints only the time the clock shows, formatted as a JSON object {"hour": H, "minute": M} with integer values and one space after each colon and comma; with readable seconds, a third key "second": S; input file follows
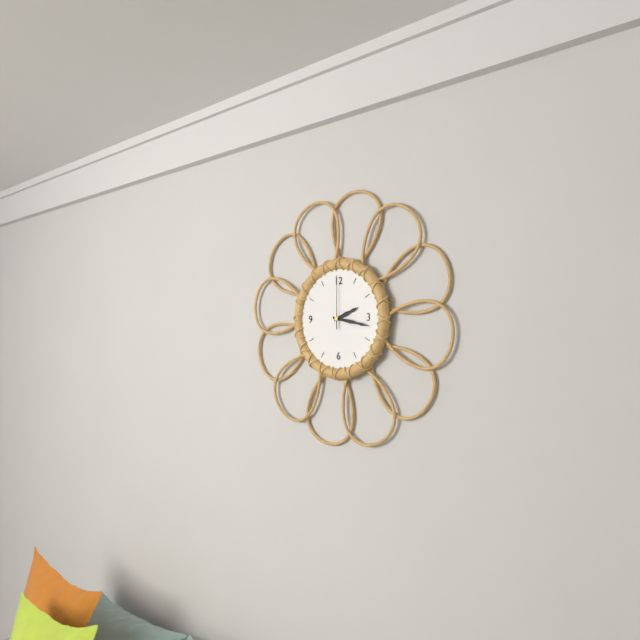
{"hour": 2, "minute": 17, "second": 0}
